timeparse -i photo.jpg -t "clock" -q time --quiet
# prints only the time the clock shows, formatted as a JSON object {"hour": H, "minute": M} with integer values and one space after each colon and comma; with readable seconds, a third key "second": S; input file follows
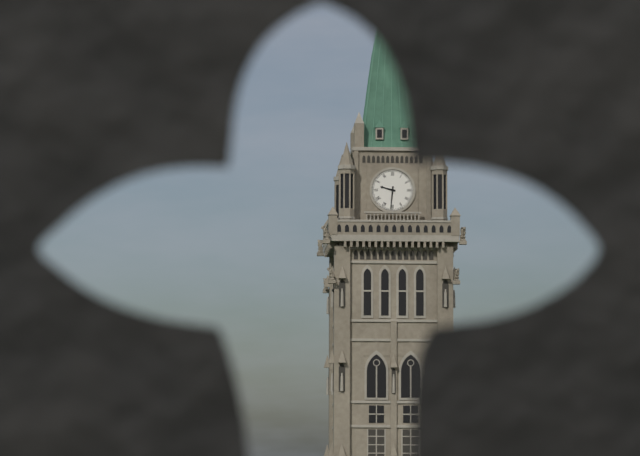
{"hour": 9, "minute": 31}
